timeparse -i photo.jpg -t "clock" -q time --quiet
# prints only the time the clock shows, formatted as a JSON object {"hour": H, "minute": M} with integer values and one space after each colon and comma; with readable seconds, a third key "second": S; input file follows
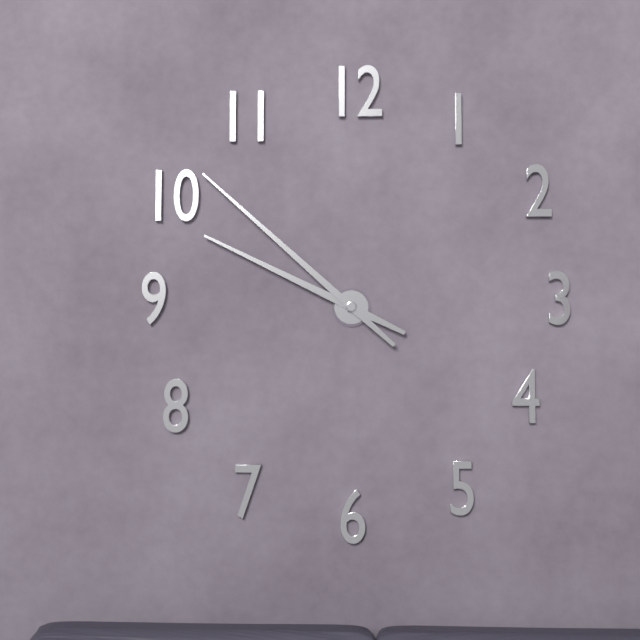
{"hour": 9, "minute": 52}
